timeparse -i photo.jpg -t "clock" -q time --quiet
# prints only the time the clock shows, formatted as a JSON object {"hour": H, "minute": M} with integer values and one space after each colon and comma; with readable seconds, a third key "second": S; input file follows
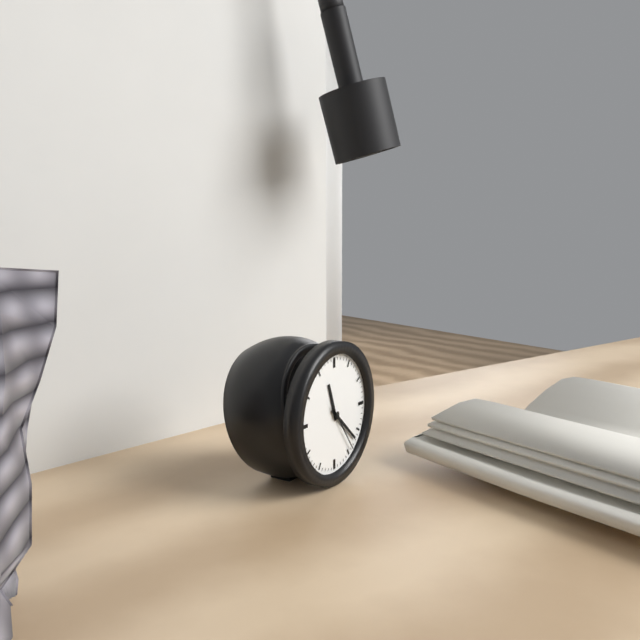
{"hour": 11, "minute": 22}
